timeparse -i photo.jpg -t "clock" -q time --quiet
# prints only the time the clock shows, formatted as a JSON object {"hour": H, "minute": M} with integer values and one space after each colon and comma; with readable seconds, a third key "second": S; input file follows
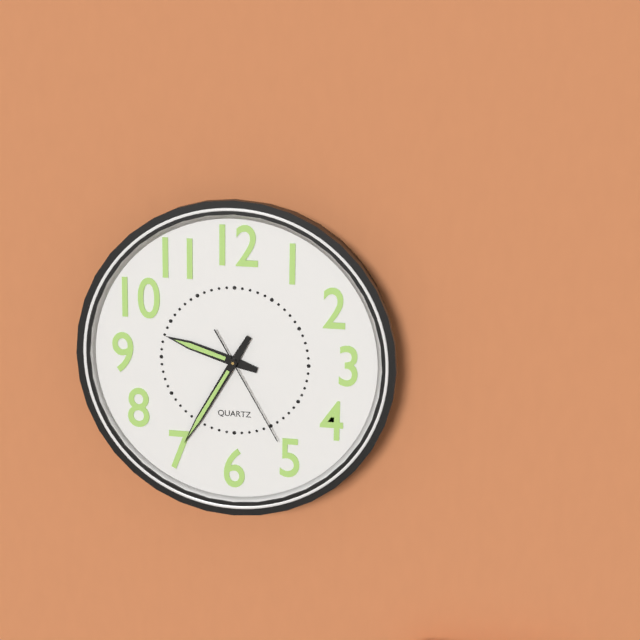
{"hour": 9, "minute": 35, "second": 25}
